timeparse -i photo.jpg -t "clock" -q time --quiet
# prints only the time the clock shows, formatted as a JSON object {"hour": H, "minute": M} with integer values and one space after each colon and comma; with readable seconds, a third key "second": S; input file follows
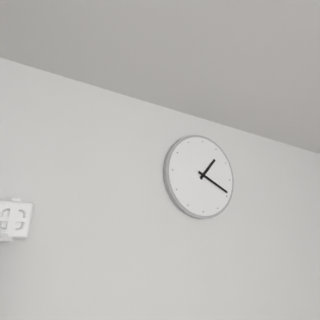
{"hour": 1, "minute": 19}
